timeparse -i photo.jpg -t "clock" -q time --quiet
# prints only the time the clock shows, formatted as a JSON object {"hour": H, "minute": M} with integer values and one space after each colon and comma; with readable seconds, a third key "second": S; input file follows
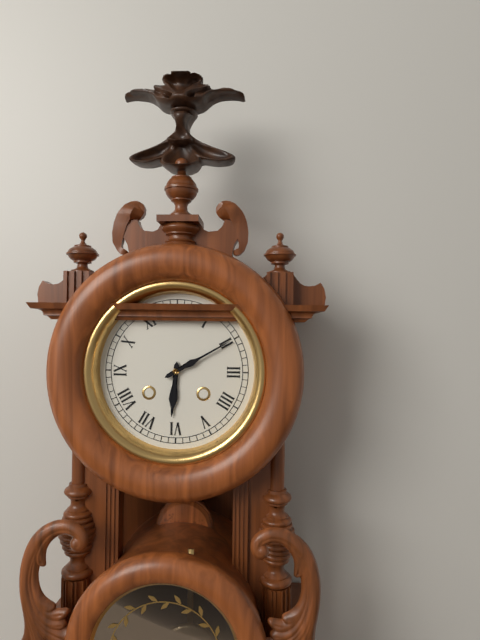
{"hour": 6, "minute": 10}
